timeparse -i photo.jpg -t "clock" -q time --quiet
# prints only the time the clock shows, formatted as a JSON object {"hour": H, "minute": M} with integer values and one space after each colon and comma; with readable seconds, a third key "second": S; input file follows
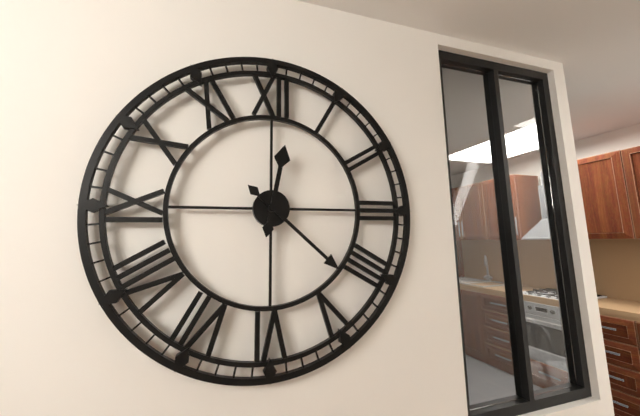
{"hour": 12, "minute": 22}
